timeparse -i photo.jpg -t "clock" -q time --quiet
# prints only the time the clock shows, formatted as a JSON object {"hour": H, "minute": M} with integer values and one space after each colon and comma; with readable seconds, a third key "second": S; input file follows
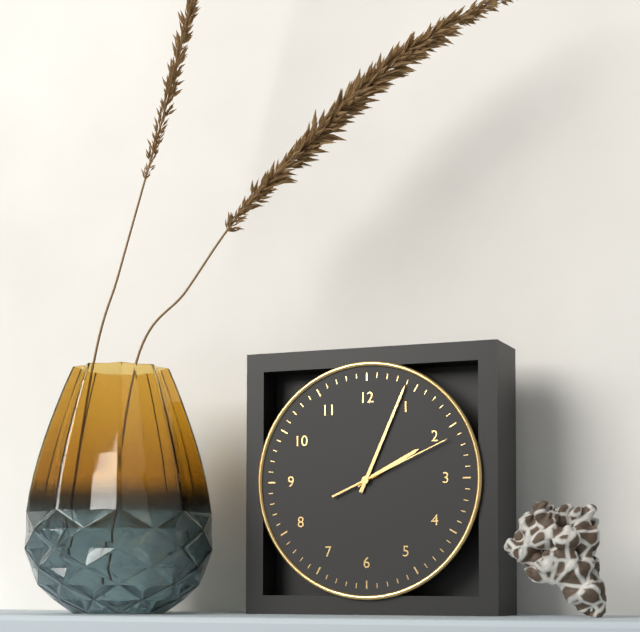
{"hour": 2, "minute": 4, "second": 11}
